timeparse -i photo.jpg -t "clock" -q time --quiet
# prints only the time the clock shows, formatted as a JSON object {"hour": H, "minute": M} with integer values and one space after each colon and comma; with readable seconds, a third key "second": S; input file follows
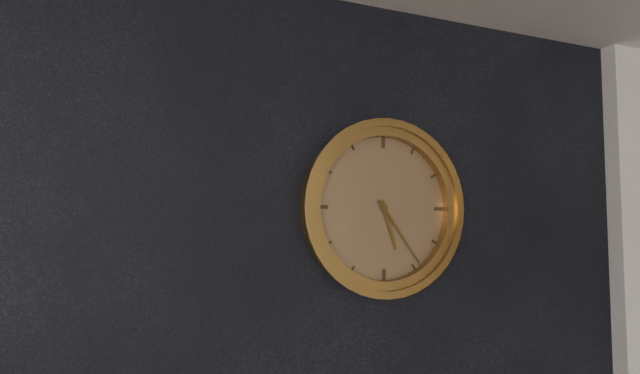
{"hour": 5, "minute": 24}
